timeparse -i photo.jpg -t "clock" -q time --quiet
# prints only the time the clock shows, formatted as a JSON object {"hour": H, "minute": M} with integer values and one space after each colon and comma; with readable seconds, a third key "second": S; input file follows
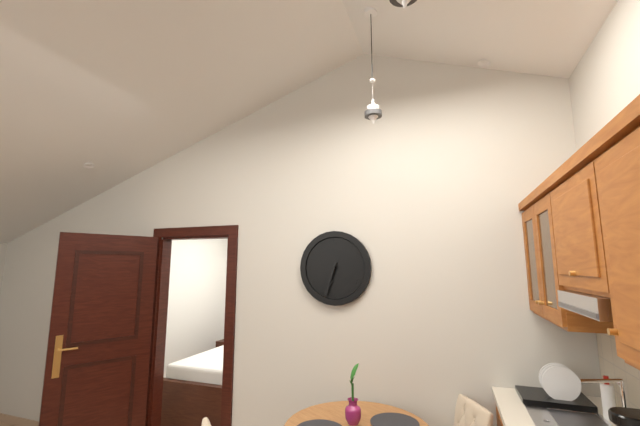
{"hour": 6, "minute": 33}
